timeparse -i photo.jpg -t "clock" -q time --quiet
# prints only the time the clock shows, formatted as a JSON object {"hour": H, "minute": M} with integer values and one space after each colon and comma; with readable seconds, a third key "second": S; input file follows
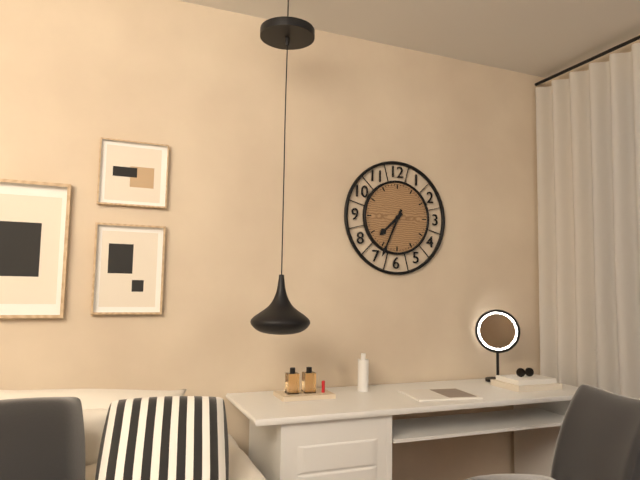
{"hour": 7, "minute": 34}
